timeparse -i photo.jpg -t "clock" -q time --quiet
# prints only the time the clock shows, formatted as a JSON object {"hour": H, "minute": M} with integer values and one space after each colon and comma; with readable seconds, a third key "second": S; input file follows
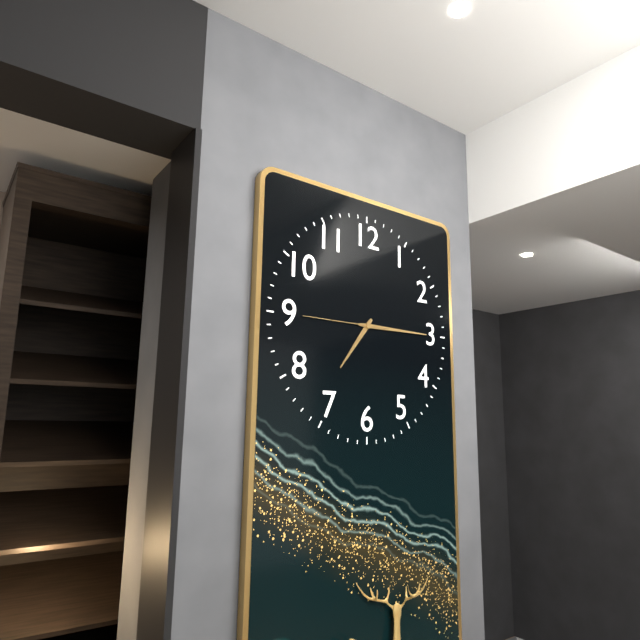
{"hour": 7, "minute": 15, "second": 45}
